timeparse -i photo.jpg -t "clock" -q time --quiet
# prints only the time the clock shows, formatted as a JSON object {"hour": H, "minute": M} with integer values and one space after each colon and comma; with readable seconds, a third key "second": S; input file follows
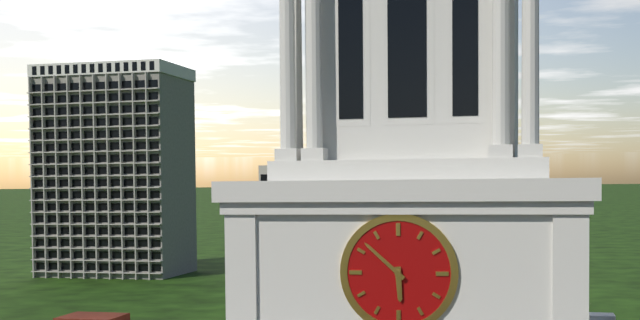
{"hour": 5, "minute": 52}
